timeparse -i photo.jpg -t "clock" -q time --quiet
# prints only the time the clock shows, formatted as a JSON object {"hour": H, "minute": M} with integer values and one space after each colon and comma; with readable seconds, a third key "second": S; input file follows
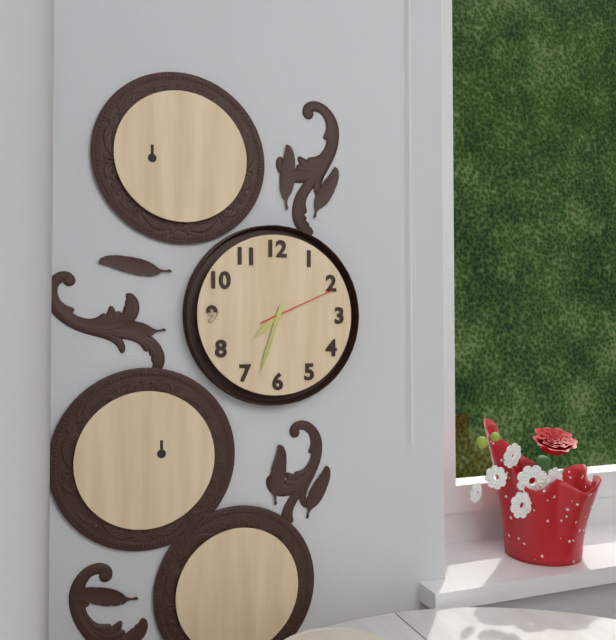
{"hour": 7, "minute": 33, "second": 11}
